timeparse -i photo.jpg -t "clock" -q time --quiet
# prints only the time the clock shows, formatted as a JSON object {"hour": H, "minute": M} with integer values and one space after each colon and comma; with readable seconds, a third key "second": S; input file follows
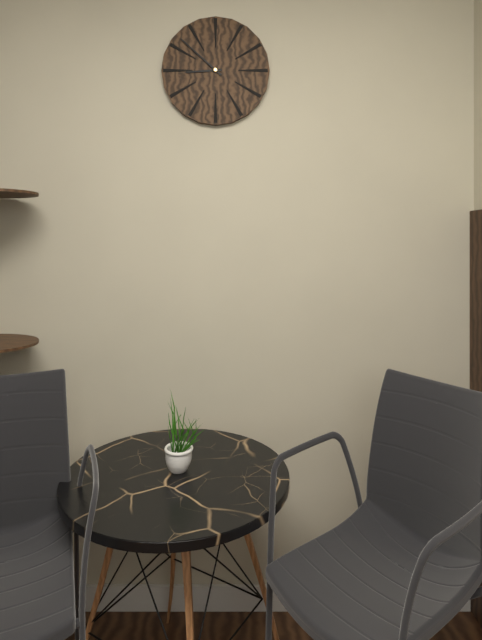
{"hour": 8, "minute": 52}
